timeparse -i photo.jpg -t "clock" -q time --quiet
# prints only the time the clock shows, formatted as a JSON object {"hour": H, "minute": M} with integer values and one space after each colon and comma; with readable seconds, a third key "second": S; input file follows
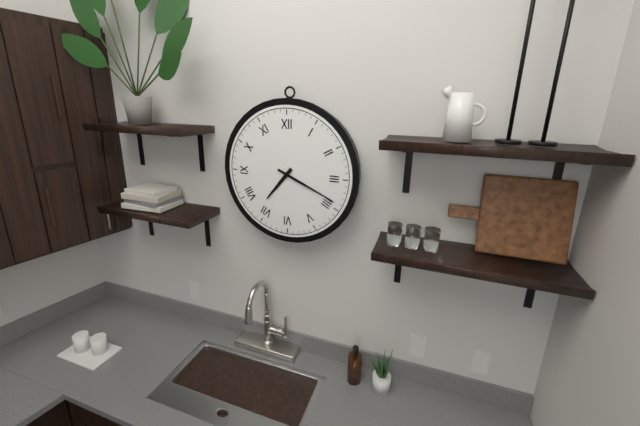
{"hour": 7, "minute": 19}
